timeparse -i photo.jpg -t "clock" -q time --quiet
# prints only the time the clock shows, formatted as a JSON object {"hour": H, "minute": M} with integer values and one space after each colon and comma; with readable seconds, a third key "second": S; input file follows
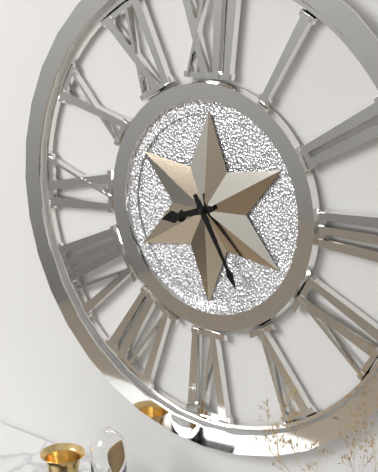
{"hour": 8, "minute": 25}
